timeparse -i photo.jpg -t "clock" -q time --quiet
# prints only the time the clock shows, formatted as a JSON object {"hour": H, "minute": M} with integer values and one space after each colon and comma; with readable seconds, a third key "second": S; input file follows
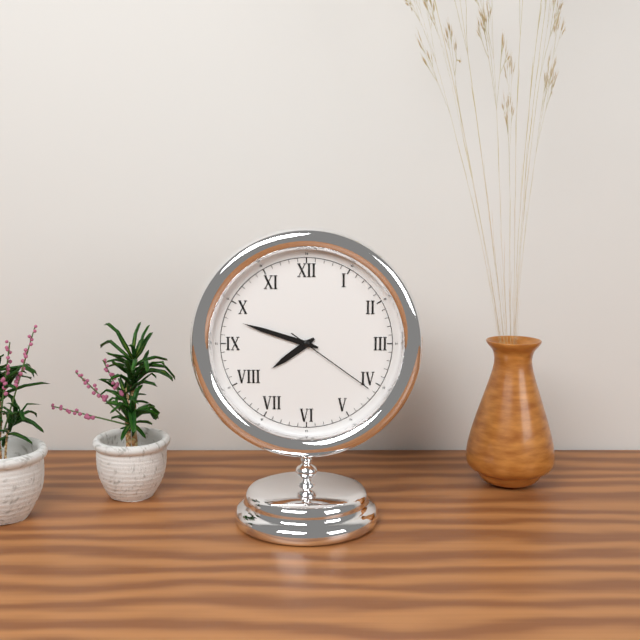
{"hour": 7, "minute": 48, "second": 21}
